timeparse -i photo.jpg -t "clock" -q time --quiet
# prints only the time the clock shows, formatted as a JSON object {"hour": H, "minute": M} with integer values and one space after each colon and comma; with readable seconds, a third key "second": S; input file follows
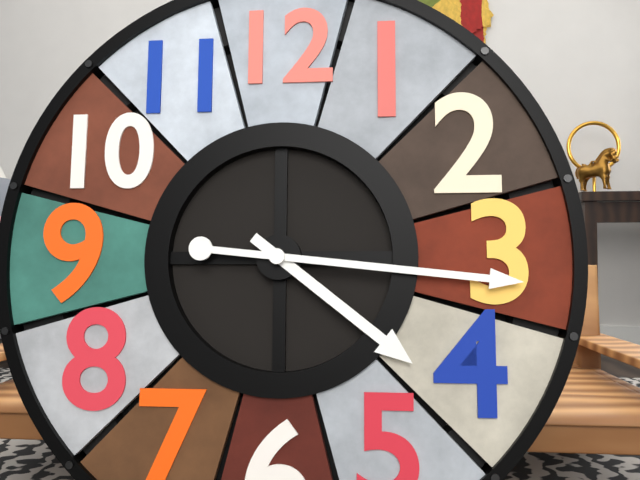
{"hour": 4, "minute": 16}
